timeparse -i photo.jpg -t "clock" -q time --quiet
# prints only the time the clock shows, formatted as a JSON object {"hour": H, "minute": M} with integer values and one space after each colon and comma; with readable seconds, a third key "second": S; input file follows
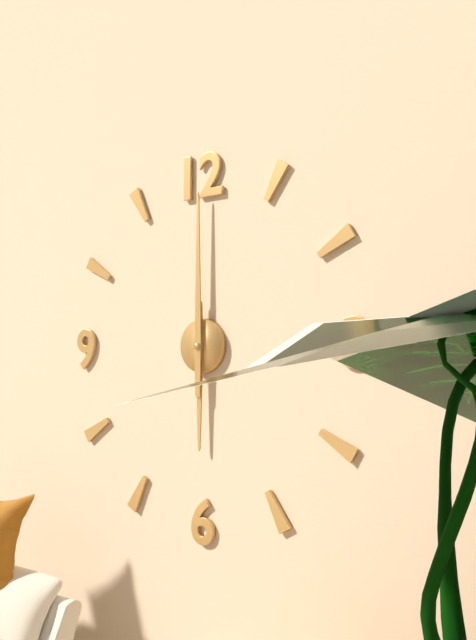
{"hour": 6, "minute": 0}
